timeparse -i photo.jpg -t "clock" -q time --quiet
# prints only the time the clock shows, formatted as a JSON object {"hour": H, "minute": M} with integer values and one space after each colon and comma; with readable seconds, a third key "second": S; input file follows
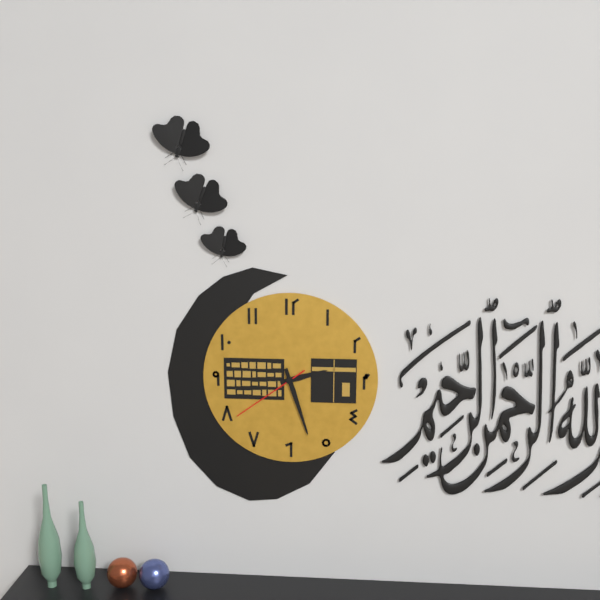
{"hour": 2, "minute": 27, "second": 39}
